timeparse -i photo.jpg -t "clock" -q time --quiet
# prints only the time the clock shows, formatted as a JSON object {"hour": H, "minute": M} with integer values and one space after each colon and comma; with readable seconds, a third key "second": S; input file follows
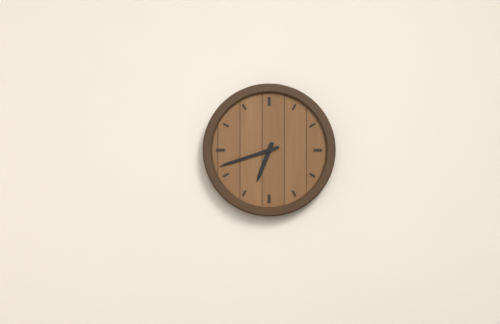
{"hour": 6, "minute": 42}
